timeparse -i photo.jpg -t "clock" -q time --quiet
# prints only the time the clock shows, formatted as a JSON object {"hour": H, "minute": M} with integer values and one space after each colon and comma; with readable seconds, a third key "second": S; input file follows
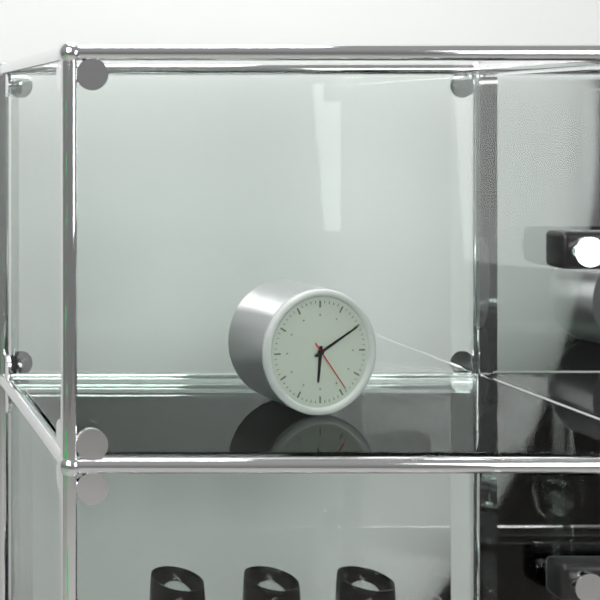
{"hour": 6, "minute": 10, "second": 24}
